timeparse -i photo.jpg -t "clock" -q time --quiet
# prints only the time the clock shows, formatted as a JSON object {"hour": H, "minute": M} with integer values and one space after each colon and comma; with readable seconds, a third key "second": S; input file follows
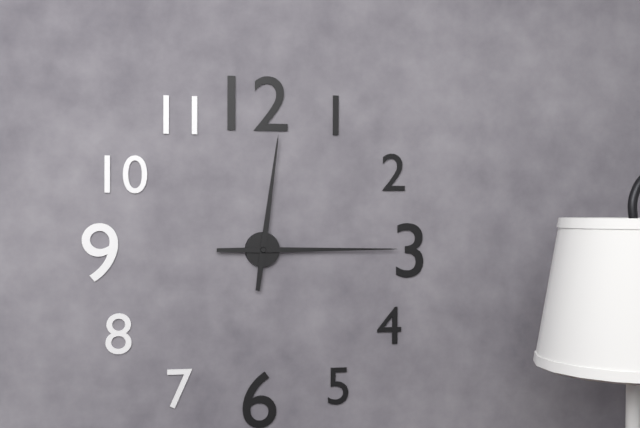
{"hour": 12, "minute": 15}
